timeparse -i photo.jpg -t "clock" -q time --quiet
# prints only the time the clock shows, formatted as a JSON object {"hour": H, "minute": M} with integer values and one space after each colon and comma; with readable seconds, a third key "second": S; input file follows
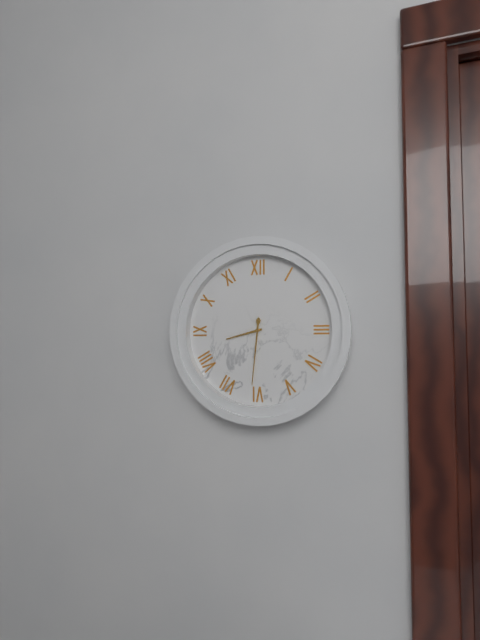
{"hour": 8, "minute": 31}
